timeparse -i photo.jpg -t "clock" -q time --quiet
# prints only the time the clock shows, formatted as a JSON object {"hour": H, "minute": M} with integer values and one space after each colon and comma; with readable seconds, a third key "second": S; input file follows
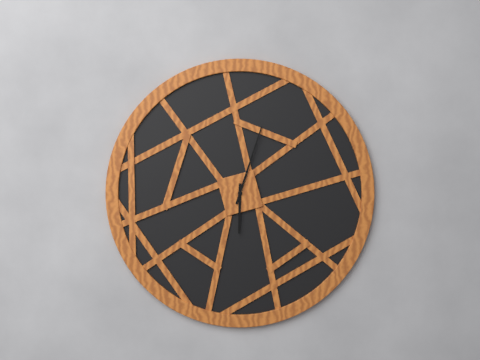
{"hour": 6, "minute": 3}
